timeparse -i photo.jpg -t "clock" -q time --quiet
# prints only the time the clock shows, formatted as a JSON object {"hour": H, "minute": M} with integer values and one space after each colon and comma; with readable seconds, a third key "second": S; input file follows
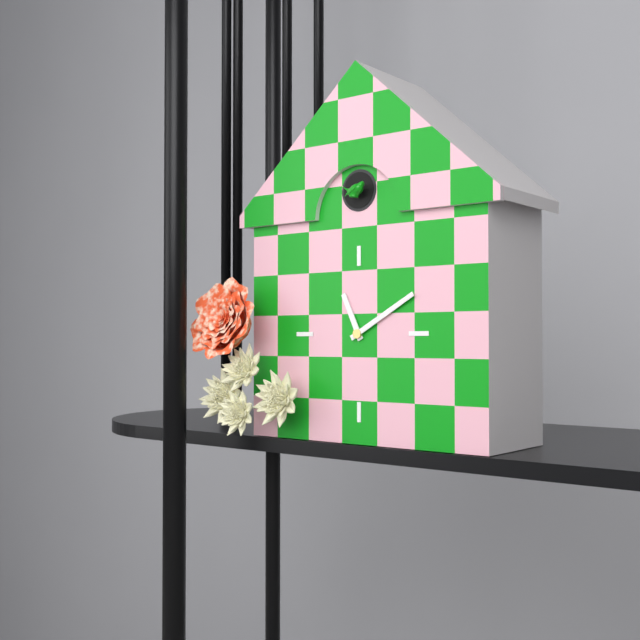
{"hour": 11, "minute": 10}
